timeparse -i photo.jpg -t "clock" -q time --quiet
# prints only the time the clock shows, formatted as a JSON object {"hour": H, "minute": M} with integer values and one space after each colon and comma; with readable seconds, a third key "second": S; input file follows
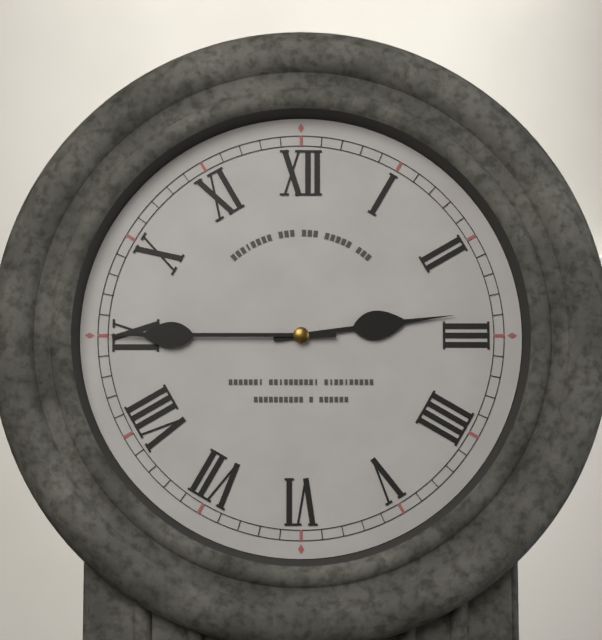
{"hour": 2, "minute": 45}
